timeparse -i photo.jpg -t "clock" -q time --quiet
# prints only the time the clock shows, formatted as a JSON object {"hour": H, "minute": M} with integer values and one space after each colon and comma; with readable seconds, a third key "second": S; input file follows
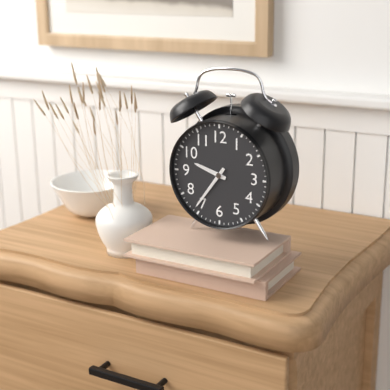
{"hour": 9, "minute": 36}
